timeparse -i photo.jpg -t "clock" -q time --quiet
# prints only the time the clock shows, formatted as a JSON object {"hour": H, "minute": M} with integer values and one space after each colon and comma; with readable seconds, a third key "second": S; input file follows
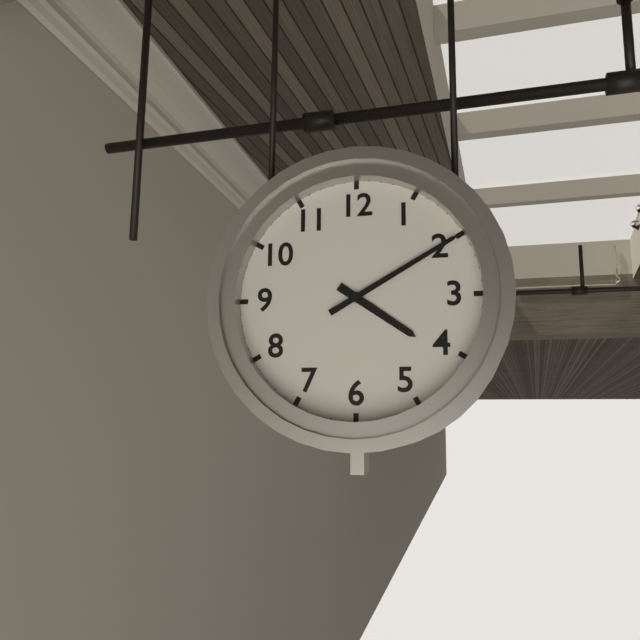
{"hour": 4, "minute": 10}
